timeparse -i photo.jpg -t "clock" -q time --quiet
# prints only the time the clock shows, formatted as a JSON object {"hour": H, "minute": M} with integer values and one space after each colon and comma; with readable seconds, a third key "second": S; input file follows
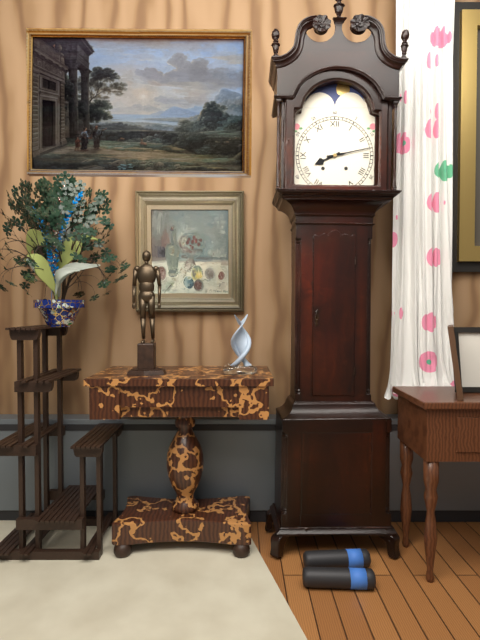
{"hour": 8, "minute": 13}
